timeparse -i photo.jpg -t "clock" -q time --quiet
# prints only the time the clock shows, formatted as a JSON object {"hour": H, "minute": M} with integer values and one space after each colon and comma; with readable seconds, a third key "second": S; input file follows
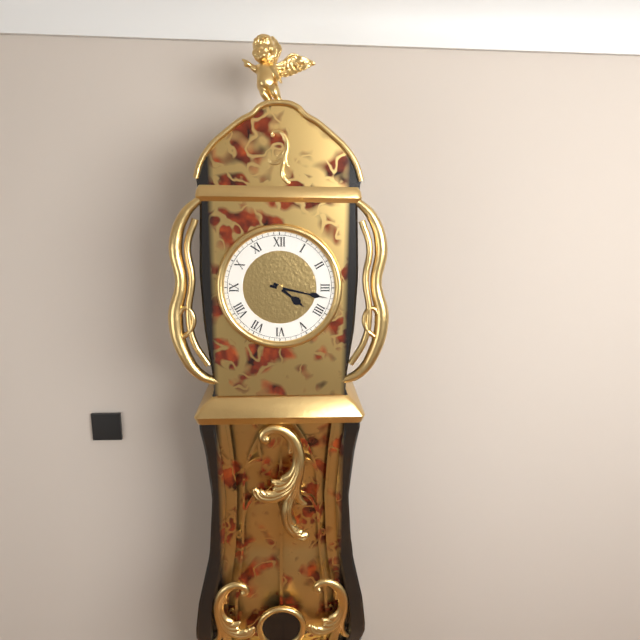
{"hour": 4, "minute": 17}
